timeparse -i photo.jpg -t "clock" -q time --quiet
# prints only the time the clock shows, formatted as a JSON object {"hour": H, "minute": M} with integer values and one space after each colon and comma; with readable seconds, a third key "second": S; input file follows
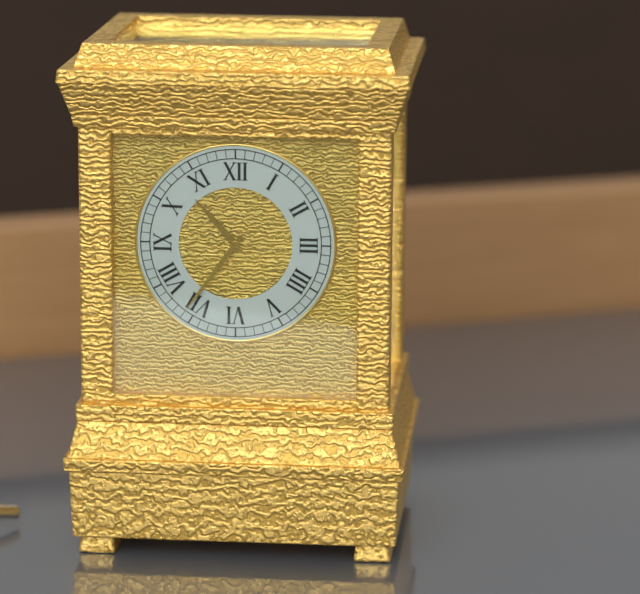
{"hour": 10, "minute": 36}
